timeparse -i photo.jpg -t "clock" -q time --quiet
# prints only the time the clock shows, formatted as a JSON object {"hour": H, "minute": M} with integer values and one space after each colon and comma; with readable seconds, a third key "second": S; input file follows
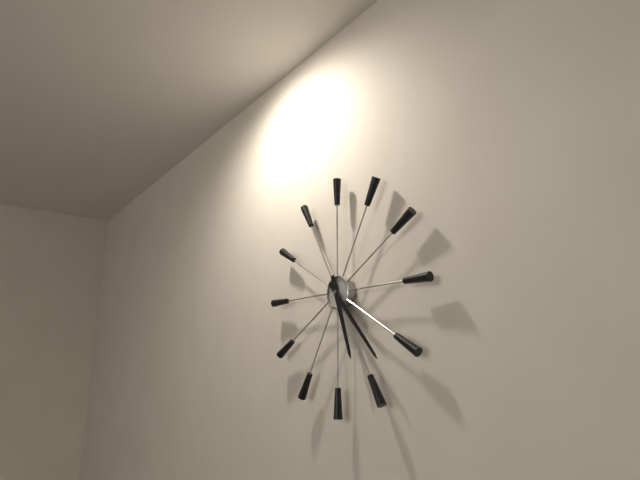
{"hour": 5, "minute": 23}
